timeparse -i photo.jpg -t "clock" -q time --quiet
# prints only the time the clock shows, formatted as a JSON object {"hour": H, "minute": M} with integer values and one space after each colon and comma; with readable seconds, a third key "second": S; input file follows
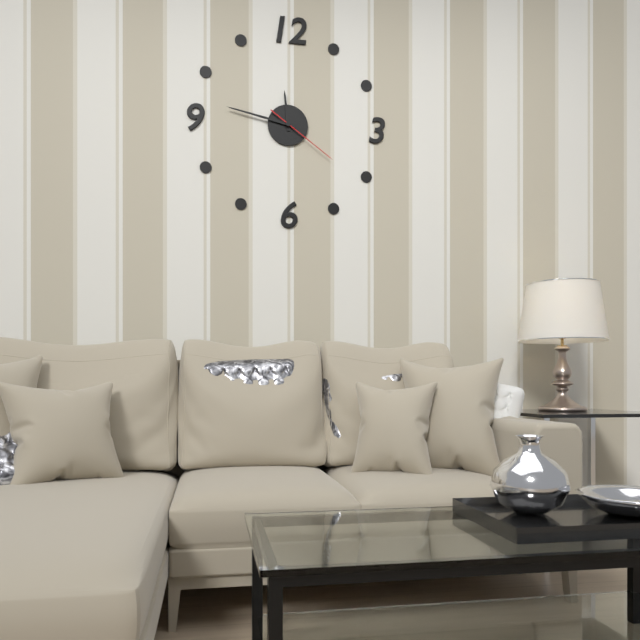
{"hour": 11, "minute": 47, "second": 21}
